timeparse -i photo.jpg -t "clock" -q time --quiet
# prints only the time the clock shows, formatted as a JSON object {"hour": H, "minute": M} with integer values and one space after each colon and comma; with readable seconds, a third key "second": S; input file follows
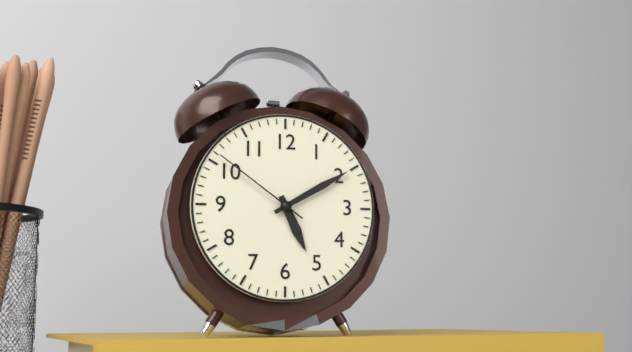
{"hour": 5, "minute": 10, "second": 51}
